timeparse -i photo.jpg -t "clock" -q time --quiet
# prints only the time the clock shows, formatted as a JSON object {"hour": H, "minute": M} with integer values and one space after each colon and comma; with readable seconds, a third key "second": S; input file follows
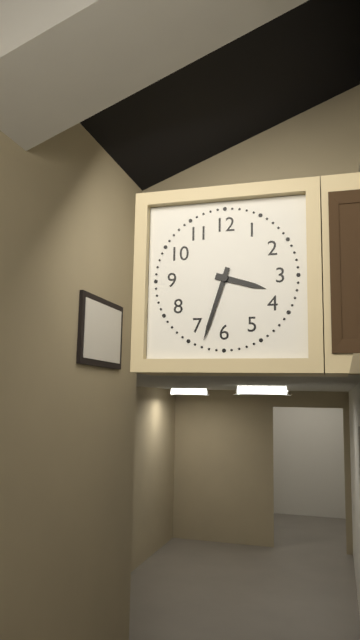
{"hour": 3, "minute": 33}
